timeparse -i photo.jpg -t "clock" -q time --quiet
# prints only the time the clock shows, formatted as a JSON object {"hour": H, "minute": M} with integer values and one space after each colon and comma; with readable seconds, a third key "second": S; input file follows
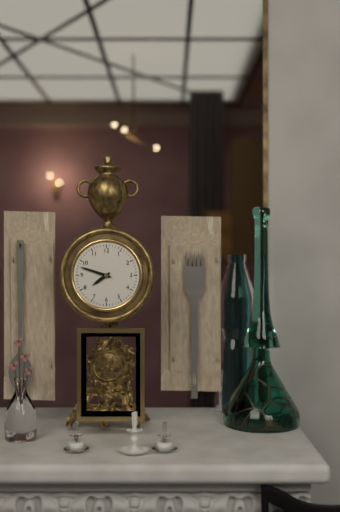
{"hour": 7, "minute": 48}
